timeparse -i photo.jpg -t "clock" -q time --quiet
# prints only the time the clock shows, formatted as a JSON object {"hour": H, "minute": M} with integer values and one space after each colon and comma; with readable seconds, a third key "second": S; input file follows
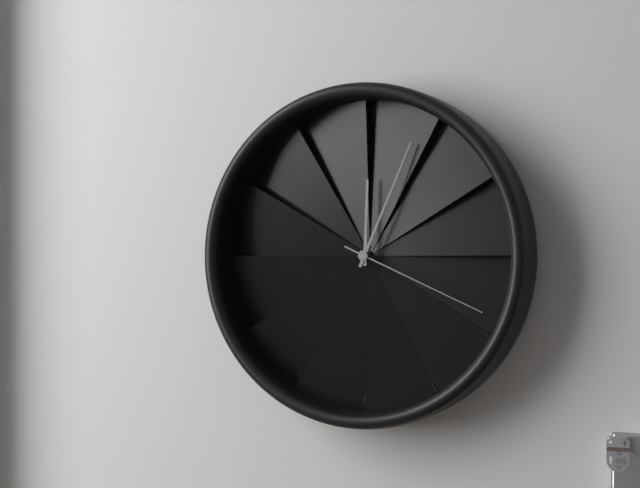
{"hour": 12, "minute": 4, "second": 19}
